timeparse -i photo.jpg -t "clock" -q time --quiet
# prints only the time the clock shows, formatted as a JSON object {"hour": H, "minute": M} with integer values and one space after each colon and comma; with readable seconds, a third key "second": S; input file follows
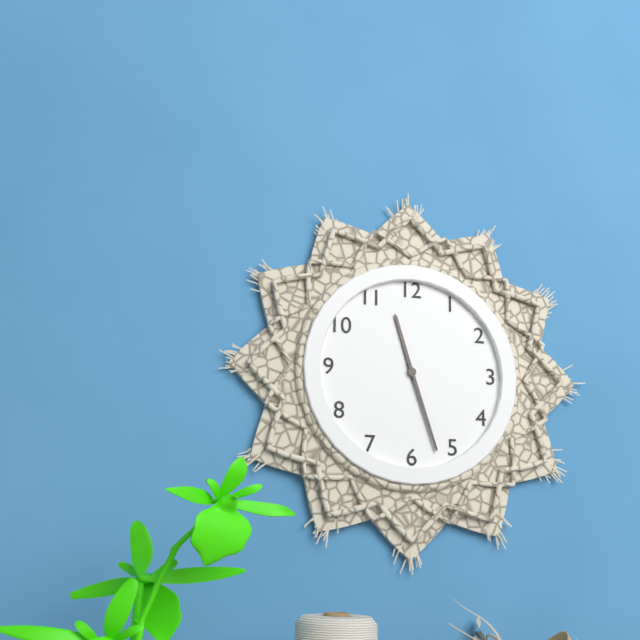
{"hour": 11, "minute": 27}
